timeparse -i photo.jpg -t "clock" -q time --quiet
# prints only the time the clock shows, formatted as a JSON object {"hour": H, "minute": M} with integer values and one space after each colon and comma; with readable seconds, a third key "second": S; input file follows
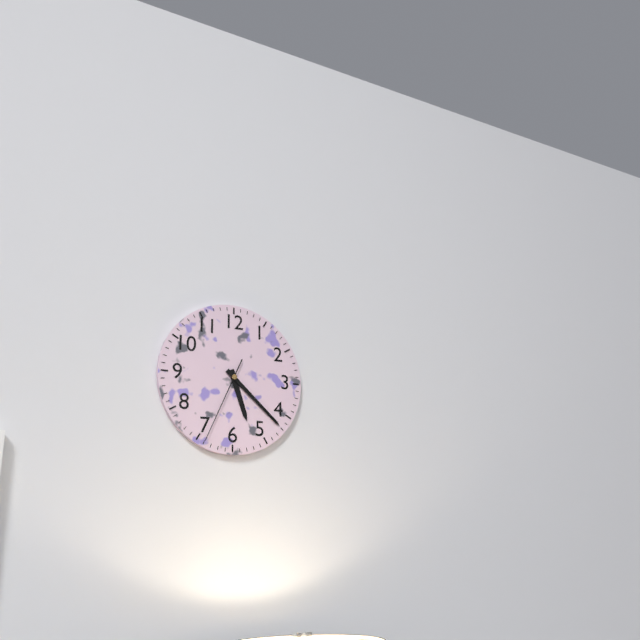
{"hour": 5, "minute": 22, "second": 34}
